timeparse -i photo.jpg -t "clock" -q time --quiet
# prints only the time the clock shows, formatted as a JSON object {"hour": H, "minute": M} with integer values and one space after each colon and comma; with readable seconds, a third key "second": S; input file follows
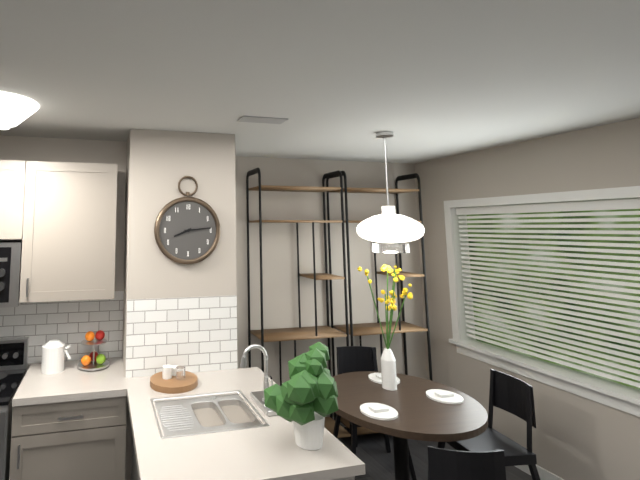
{"hour": 8, "minute": 14}
